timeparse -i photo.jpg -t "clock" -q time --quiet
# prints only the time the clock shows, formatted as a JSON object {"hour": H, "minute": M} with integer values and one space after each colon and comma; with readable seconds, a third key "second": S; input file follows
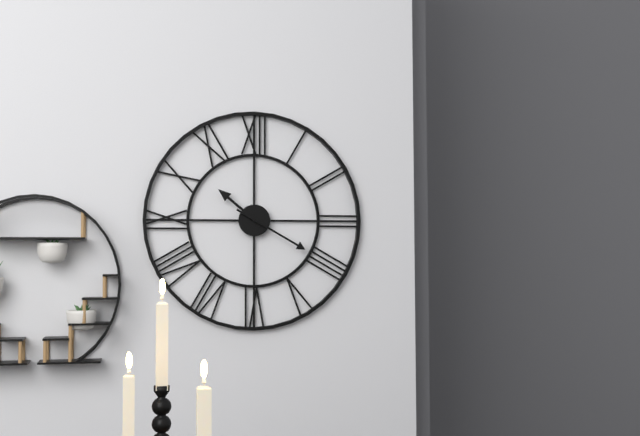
{"hour": 10, "minute": 20}
